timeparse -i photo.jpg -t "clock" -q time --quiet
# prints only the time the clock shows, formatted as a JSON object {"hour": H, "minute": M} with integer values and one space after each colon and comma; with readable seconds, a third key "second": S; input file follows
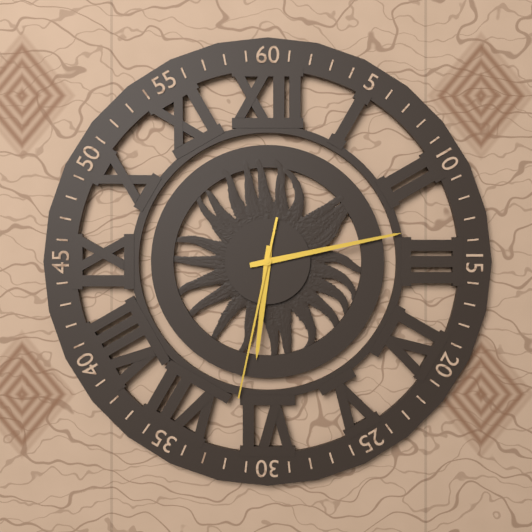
{"hour": 6, "minute": 13, "second": 32}
